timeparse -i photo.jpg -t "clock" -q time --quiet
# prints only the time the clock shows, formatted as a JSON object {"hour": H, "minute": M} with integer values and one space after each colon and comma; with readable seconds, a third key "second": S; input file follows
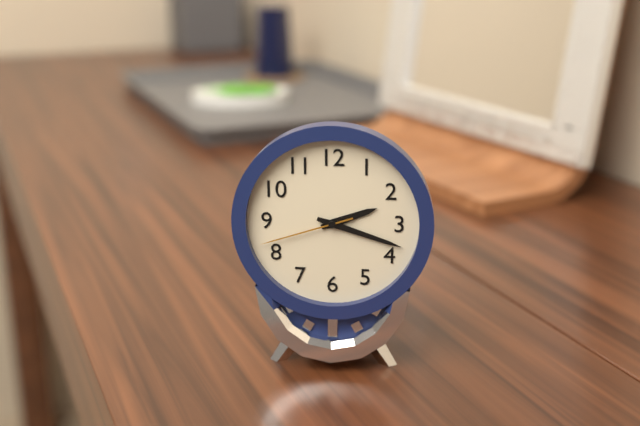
{"hour": 2, "minute": 18, "second": 42}
